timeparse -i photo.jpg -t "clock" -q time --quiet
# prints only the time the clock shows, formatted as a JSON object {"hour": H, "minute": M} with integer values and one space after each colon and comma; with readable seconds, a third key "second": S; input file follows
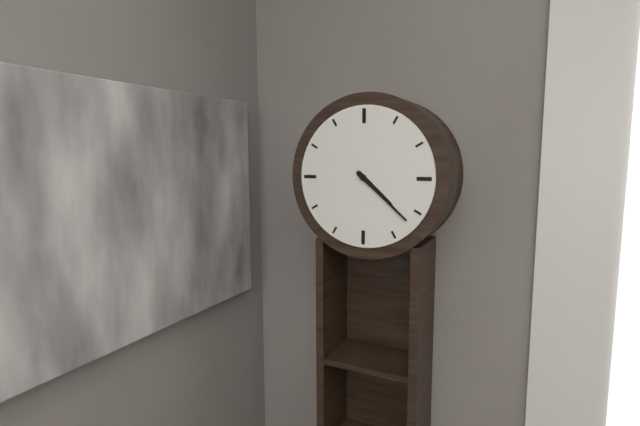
{"hour": 4, "minute": 22}
